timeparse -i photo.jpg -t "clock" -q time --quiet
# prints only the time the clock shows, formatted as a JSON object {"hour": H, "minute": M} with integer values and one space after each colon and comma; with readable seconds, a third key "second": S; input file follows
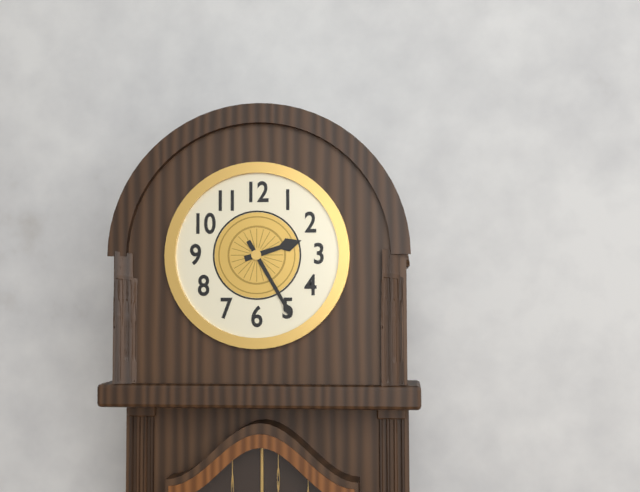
{"hour": 2, "minute": 25}
